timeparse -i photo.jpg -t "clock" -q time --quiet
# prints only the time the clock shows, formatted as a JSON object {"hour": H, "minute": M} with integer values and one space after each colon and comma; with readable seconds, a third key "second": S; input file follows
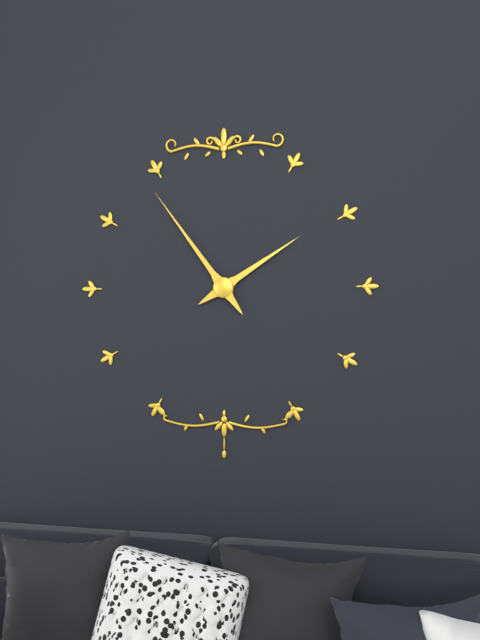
{"hour": 1, "minute": 54}
